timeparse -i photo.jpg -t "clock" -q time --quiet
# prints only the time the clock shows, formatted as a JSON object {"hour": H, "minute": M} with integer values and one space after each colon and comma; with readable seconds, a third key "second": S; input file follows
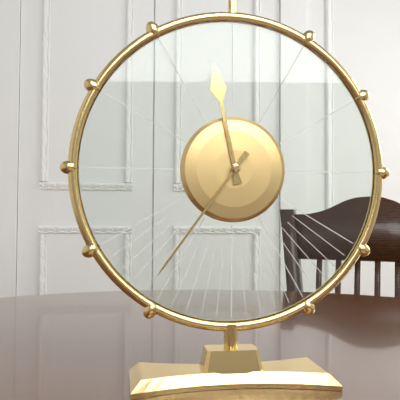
{"hour": 11, "minute": 36}
